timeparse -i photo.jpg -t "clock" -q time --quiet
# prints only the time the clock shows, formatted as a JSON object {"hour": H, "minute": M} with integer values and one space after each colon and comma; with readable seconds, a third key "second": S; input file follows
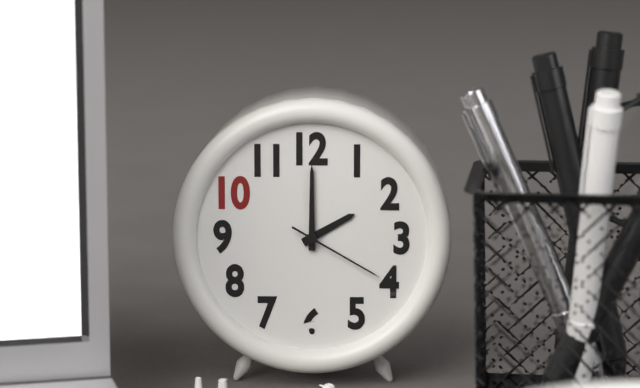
{"hour": 2, "minute": 0, "second": 20}
